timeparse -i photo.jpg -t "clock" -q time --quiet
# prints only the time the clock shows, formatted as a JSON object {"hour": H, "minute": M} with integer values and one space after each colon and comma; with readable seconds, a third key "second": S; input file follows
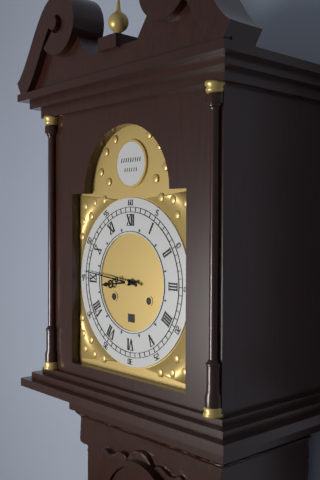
{"hour": 8, "minute": 46}
